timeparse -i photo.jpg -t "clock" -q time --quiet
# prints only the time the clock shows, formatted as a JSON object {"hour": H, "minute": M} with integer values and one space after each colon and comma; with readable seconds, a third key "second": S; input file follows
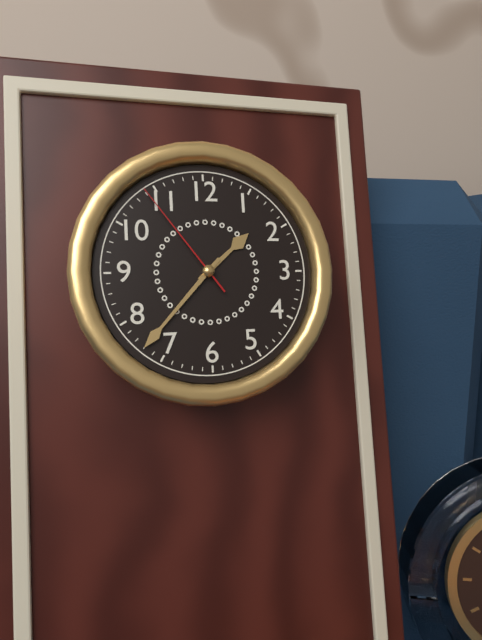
{"hour": 1, "minute": 37, "second": 54}
